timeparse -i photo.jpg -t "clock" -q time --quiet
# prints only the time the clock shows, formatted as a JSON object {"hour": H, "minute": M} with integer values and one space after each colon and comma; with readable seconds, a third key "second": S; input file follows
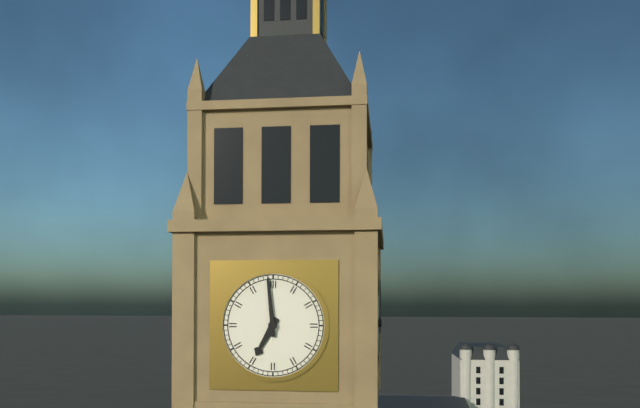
{"hour": 6, "minute": 59}
